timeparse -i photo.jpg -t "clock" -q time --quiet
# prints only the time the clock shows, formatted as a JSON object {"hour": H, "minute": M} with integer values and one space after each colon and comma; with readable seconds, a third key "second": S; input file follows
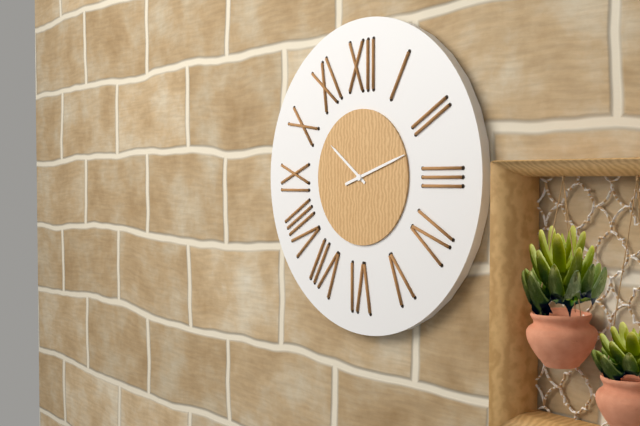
{"hour": 10, "minute": 12}
